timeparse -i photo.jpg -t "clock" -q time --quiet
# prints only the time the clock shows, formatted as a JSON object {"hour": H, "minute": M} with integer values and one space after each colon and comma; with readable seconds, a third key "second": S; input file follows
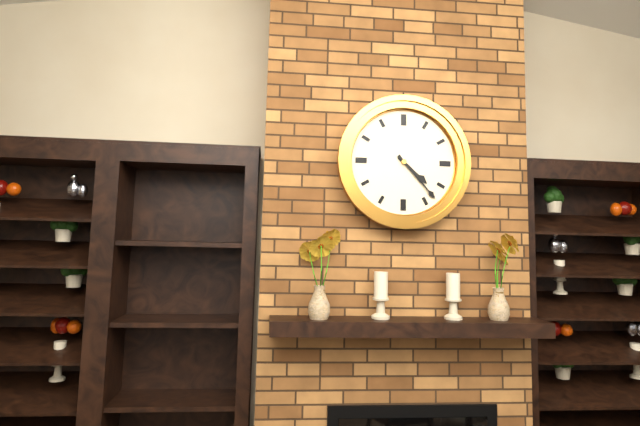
{"hour": 4, "minute": 23}
